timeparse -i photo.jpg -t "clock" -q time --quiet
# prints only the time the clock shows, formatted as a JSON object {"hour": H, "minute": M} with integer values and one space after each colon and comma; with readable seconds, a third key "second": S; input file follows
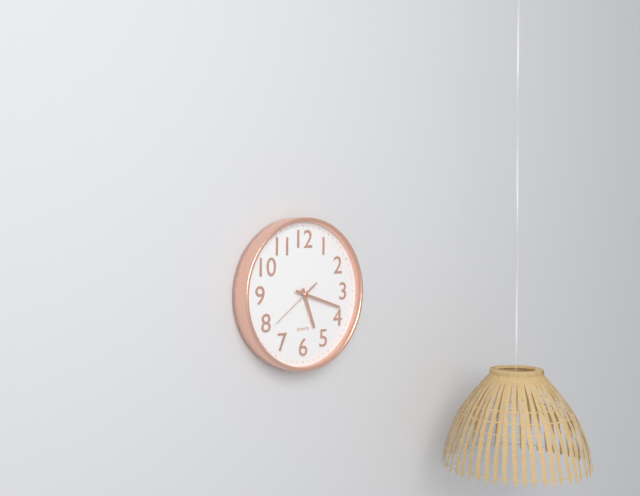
{"hour": 5, "minute": 18}
